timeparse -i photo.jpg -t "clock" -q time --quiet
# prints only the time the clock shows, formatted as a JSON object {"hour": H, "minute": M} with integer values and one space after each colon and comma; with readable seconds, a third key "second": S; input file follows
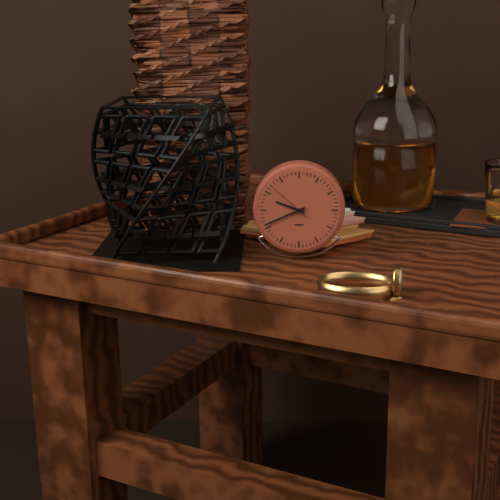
{"hour": 9, "minute": 41}
